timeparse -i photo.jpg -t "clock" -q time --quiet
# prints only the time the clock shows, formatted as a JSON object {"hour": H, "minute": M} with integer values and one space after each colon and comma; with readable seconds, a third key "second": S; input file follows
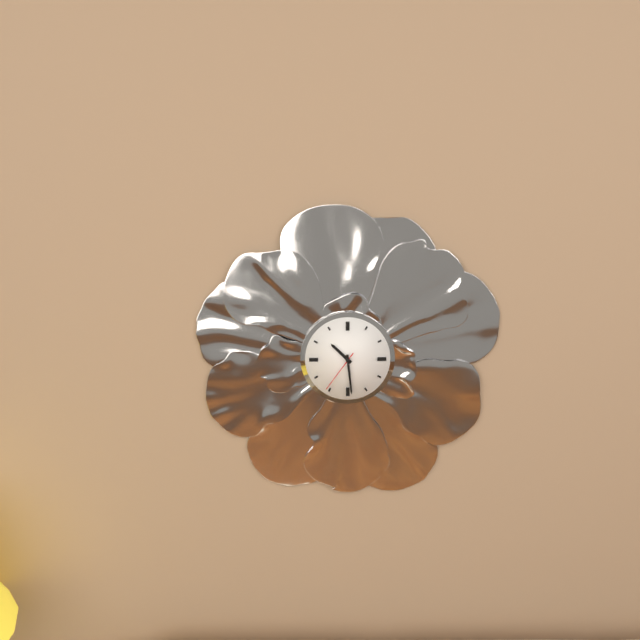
{"hour": 10, "minute": 29}
